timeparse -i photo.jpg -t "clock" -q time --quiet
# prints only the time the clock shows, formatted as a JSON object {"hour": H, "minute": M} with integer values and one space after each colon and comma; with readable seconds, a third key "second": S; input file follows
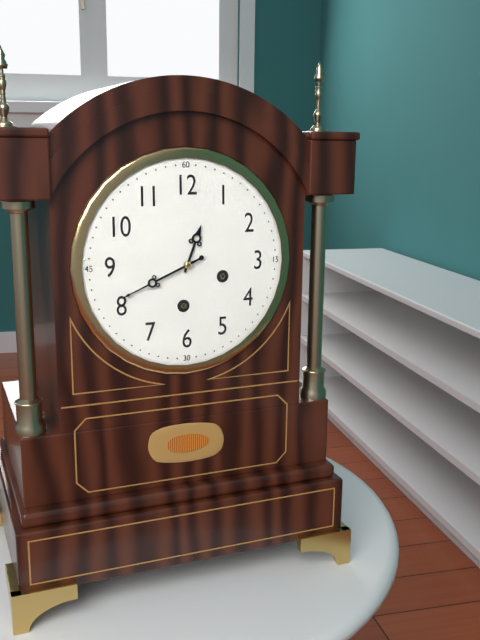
{"hour": 12, "minute": 41}
